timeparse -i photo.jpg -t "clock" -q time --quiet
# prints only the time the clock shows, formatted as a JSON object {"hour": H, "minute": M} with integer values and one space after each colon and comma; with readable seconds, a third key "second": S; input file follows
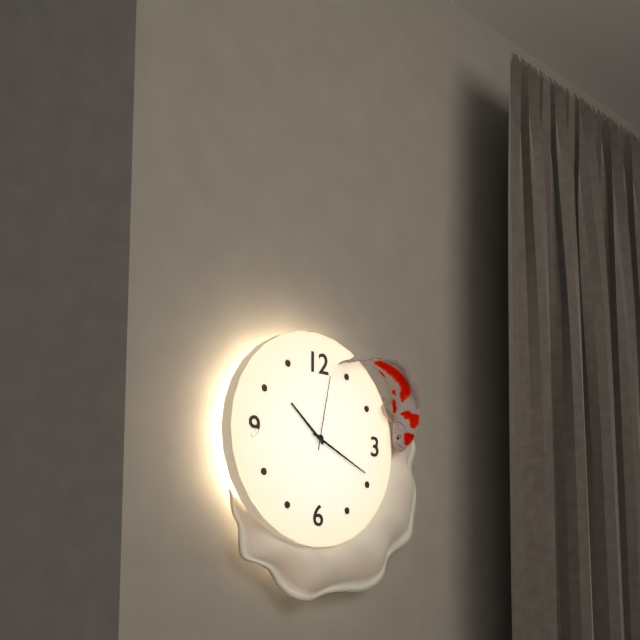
{"hour": 10, "minute": 19, "second": 2}
